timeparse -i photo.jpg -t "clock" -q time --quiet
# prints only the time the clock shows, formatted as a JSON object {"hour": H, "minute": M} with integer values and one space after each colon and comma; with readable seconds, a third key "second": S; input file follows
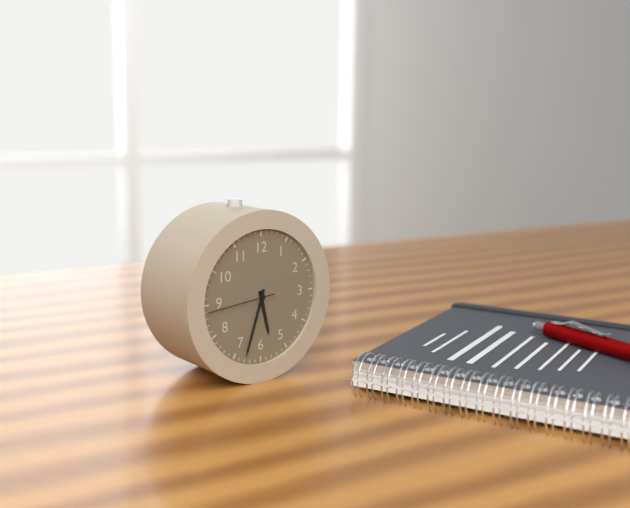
{"hour": 5, "minute": 33, "second": 44}
